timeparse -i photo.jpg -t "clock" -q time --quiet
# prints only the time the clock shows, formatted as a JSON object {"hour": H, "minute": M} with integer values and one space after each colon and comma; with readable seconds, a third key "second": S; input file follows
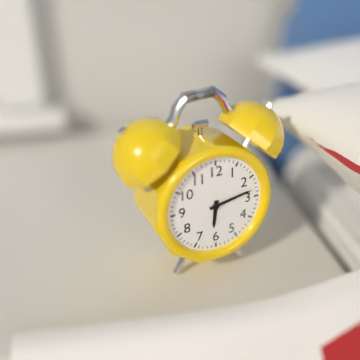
{"hour": 6, "minute": 13}
